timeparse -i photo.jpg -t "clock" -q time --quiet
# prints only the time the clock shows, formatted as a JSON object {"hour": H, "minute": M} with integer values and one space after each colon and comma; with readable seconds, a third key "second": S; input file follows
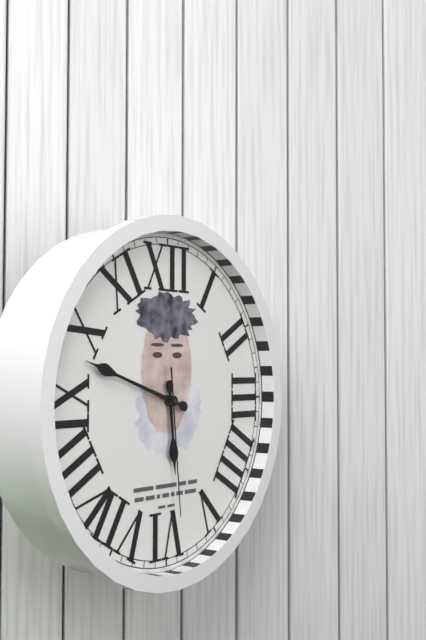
{"hour": 5, "minute": 48, "second": 29}
